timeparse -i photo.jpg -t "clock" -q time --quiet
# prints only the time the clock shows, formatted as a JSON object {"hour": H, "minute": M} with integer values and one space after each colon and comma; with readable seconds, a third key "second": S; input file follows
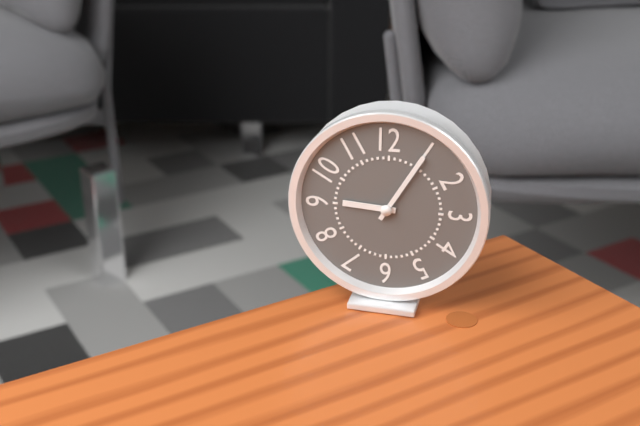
{"hour": 9, "minute": 5}
